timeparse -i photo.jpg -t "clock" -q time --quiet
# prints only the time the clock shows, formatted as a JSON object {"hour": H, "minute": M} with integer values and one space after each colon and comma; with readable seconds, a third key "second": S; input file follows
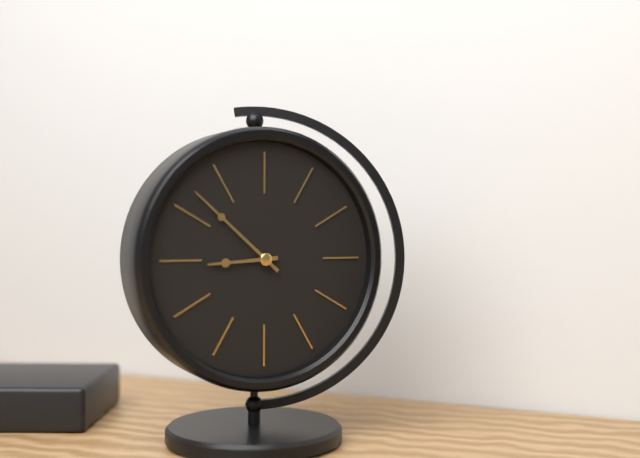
{"hour": 8, "minute": 52}
